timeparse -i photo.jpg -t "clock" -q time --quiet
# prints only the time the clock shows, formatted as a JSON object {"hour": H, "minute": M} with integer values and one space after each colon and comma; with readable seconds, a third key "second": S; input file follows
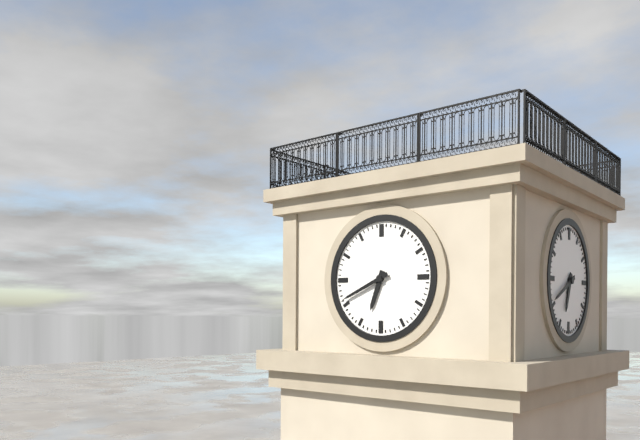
{"hour": 6, "minute": 41}
